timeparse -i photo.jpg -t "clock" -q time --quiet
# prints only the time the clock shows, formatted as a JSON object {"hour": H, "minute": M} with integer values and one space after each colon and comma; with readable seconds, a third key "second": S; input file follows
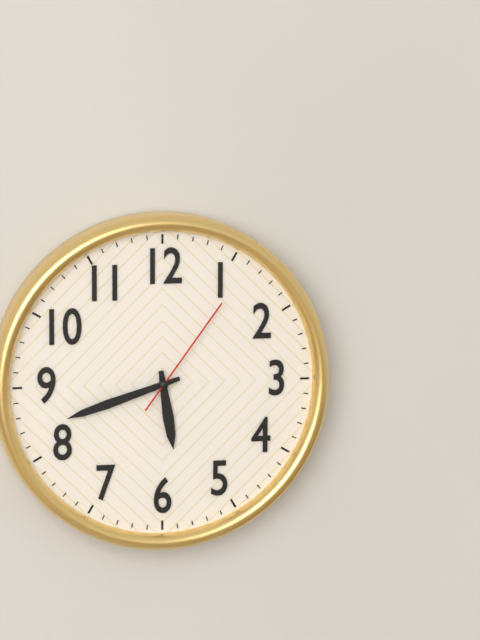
{"hour": 5, "minute": 42, "second": 6}
